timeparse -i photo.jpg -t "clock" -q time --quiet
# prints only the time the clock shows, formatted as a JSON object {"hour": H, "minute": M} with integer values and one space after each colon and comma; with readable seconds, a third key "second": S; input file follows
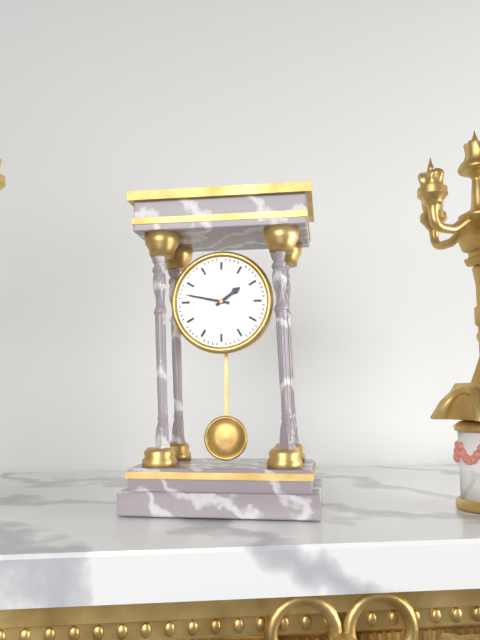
{"hour": 1, "minute": 47}
